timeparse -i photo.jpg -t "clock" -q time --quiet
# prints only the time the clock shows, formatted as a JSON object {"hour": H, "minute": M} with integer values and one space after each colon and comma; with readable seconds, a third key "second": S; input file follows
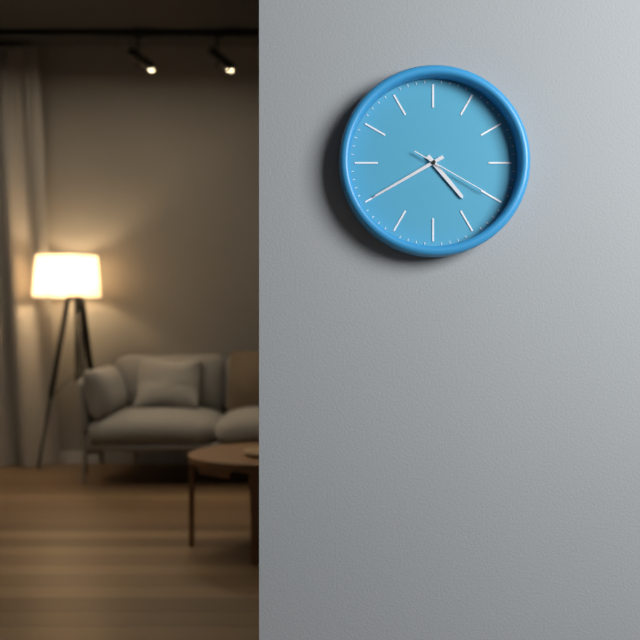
{"hour": 4, "minute": 40, "second": 20}
